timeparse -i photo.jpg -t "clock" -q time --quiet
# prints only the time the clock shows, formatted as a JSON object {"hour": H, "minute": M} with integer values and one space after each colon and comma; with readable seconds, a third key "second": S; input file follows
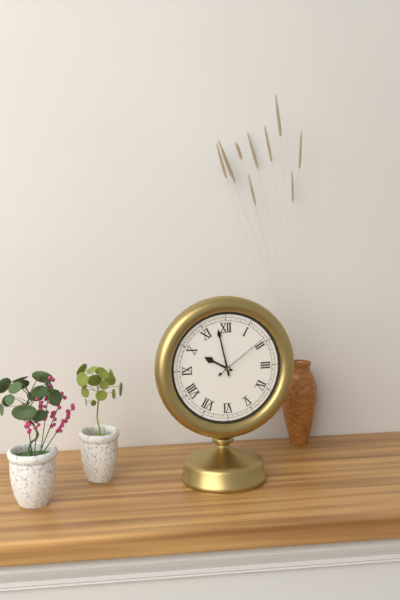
{"hour": 9, "minute": 58, "second": 9}
